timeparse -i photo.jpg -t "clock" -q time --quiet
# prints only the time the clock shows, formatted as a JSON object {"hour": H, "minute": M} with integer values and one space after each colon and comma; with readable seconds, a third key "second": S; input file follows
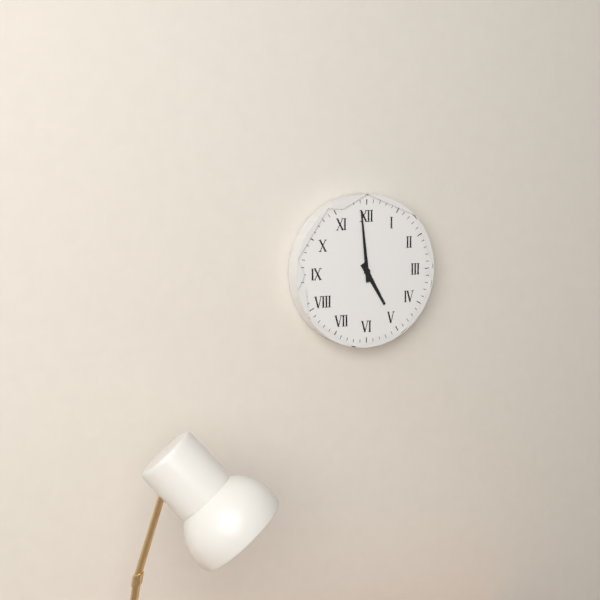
{"hour": 4, "minute": 59}
